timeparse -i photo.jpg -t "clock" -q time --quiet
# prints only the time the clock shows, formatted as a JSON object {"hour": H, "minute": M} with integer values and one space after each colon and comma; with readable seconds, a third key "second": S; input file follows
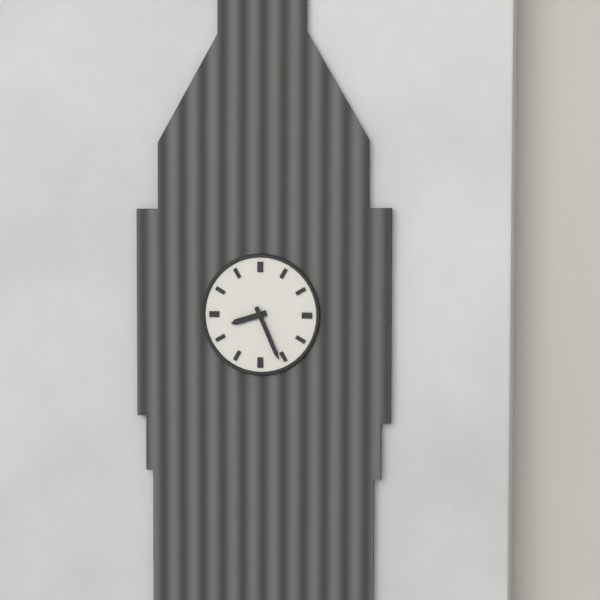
{"hour": 8, "minute": 26}
